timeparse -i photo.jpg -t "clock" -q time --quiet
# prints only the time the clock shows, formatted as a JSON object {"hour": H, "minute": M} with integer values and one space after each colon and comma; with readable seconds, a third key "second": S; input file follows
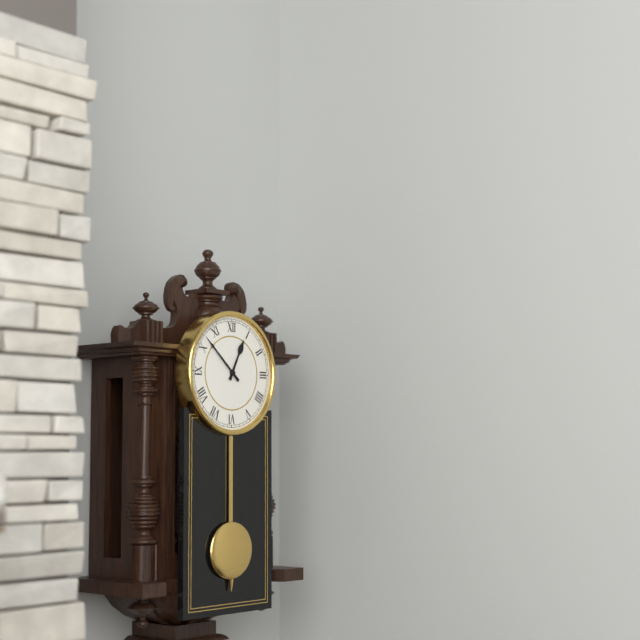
{"hour": 12, "minute": 52}
